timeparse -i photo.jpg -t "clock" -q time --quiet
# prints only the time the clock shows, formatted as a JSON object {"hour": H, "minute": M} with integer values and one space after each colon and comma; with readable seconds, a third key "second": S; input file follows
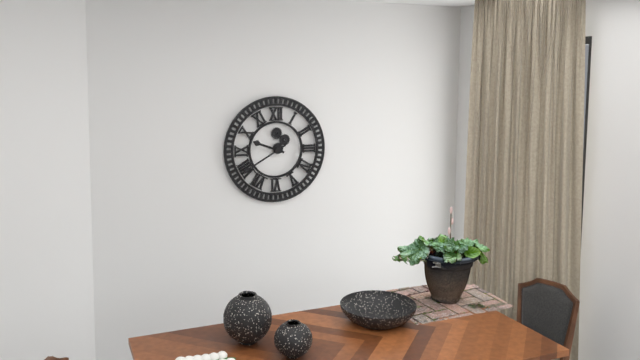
{"hour": 9, "minute": 40}
